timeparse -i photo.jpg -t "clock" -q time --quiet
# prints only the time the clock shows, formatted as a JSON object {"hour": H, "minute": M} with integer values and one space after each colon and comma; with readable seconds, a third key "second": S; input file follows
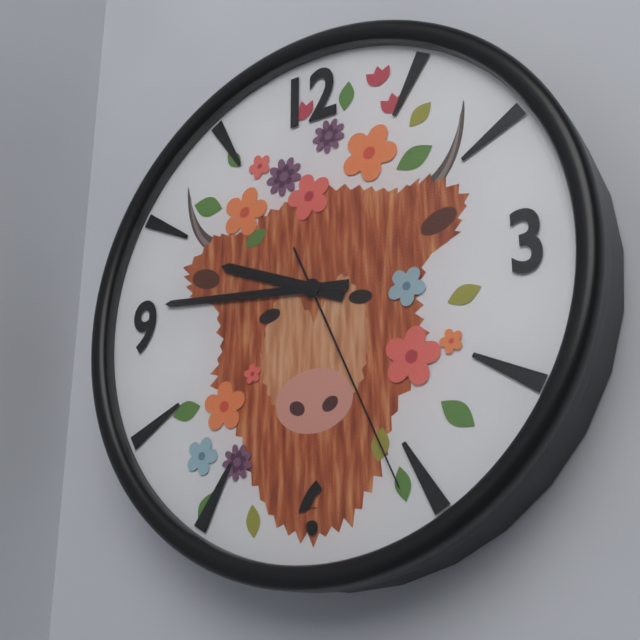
{"hour": 9, "minute": 46, "second": 26}
